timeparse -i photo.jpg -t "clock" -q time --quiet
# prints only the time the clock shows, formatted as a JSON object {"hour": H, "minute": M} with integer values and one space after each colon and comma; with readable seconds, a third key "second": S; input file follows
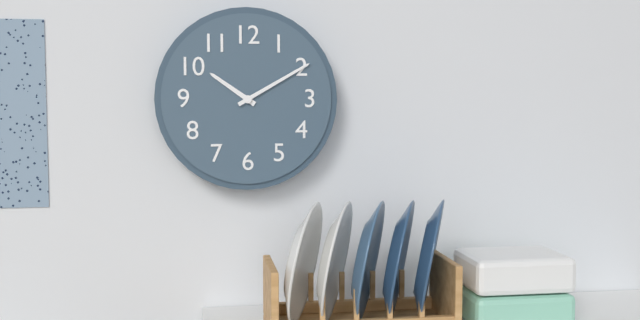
{"hour": 10, "minute": 10}
